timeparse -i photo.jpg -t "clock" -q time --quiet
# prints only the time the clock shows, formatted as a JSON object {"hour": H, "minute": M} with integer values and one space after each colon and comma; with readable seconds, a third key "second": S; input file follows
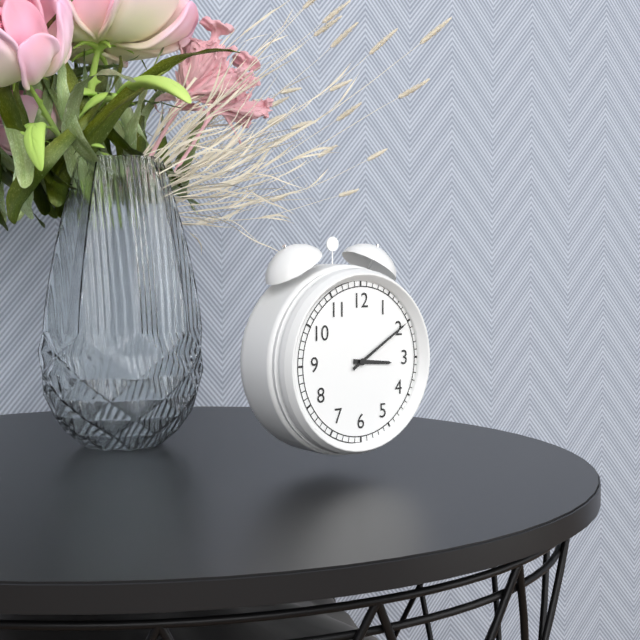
{"hour": 3, "minute": 10}
